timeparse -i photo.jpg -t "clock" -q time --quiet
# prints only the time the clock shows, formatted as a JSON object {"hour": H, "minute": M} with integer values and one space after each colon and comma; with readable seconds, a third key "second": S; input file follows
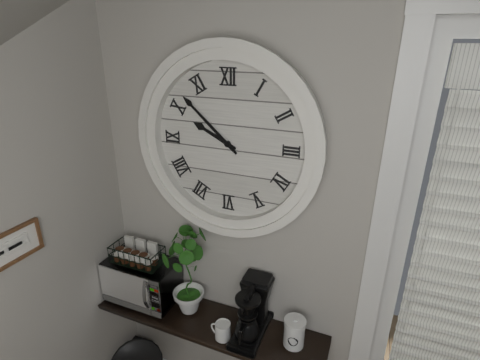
{"hour": 9, "minute": 52}
